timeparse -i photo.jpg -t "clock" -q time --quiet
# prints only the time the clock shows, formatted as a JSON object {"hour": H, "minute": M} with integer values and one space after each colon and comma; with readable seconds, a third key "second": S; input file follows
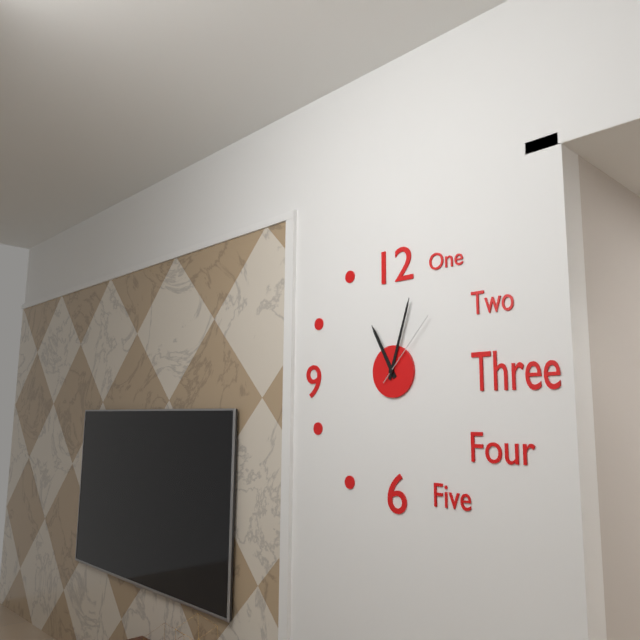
{"hour": 11, "minute": 3, "second": 7}
